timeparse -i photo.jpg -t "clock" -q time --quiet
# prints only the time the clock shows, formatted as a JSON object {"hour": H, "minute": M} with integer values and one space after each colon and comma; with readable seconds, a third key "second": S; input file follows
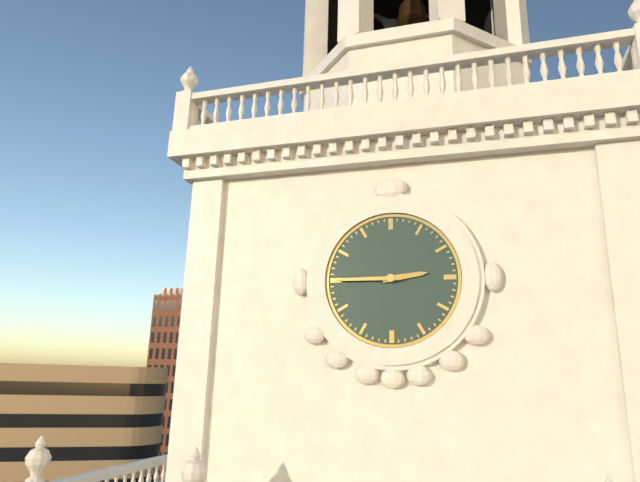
{"hour": 2, "minute": 45}
